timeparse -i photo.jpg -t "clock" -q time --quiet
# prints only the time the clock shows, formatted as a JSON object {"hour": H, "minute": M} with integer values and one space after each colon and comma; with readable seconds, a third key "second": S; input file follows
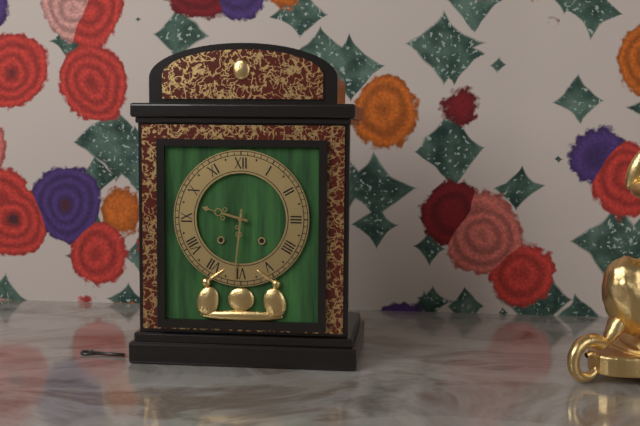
{"hour": 9, "minute": 31}
